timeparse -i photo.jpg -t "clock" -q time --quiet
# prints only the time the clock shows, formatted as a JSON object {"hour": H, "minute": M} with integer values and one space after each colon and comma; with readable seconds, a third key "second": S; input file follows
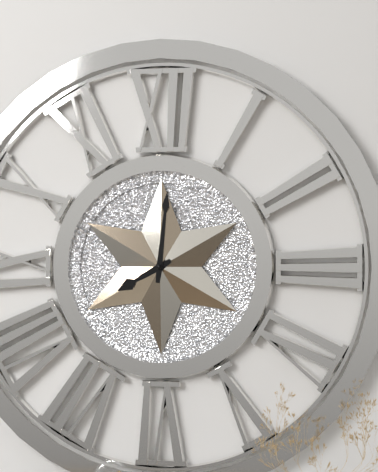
{"hour": 8, "minute": 1}
